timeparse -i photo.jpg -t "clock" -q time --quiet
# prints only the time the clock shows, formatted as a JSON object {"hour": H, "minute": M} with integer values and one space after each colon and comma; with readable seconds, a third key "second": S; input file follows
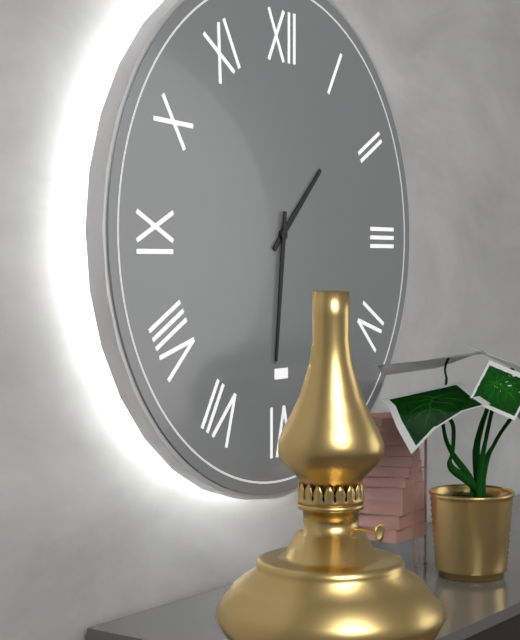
{"hour": 1, "minute": 31}
